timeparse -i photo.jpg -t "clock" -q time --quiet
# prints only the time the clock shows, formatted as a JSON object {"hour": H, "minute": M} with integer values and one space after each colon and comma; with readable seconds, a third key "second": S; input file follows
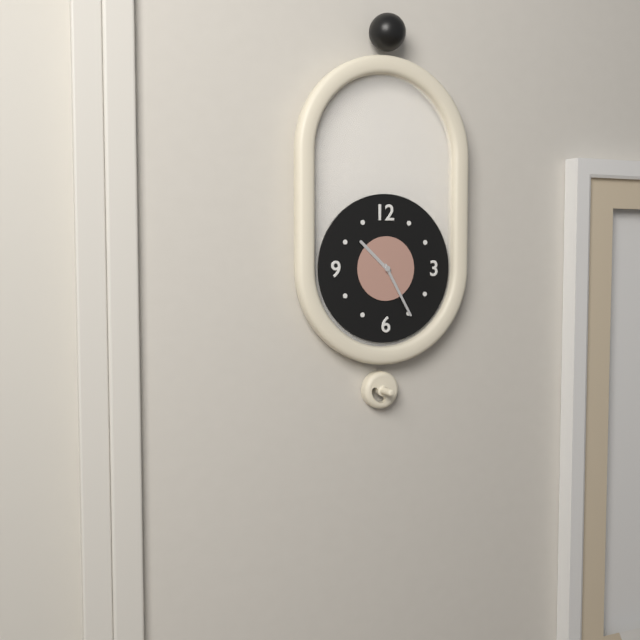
{"hour": 10, "minute": 25}
